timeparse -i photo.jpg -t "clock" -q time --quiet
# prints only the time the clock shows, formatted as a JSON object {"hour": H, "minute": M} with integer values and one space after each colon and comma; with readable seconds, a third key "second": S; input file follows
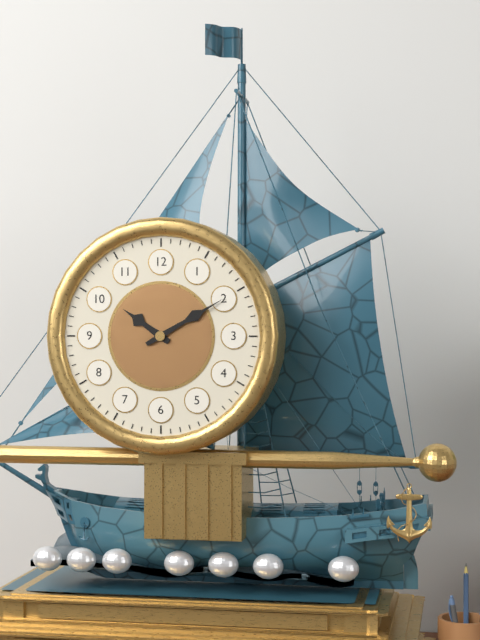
{"hour": 10, "minute": 10}
